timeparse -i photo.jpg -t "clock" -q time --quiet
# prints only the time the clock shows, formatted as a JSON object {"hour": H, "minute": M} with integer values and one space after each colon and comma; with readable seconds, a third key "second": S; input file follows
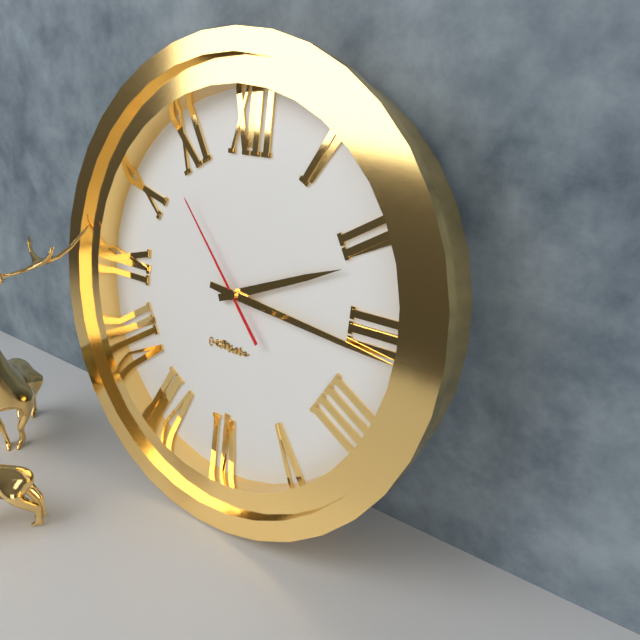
{"hour": 2, "minute": 16, "second": 53}
